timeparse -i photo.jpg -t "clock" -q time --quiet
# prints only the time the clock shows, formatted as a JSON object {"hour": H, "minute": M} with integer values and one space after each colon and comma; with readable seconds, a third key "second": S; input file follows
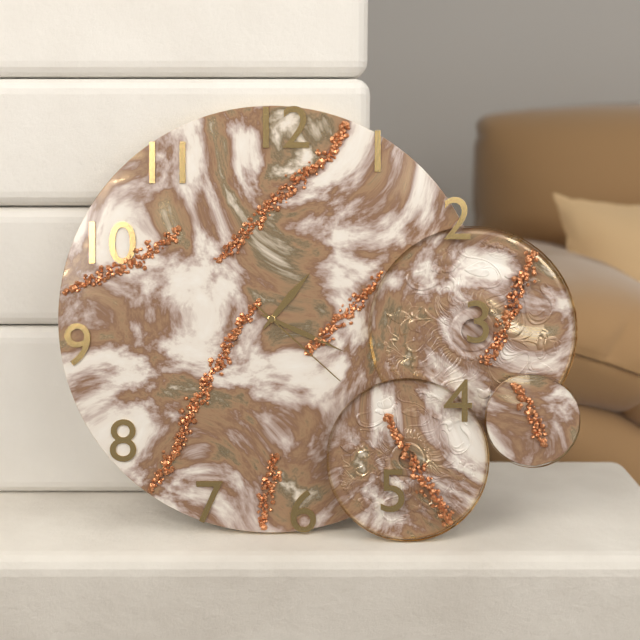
{"hour": 1, "minute": 19, "second": 22}
